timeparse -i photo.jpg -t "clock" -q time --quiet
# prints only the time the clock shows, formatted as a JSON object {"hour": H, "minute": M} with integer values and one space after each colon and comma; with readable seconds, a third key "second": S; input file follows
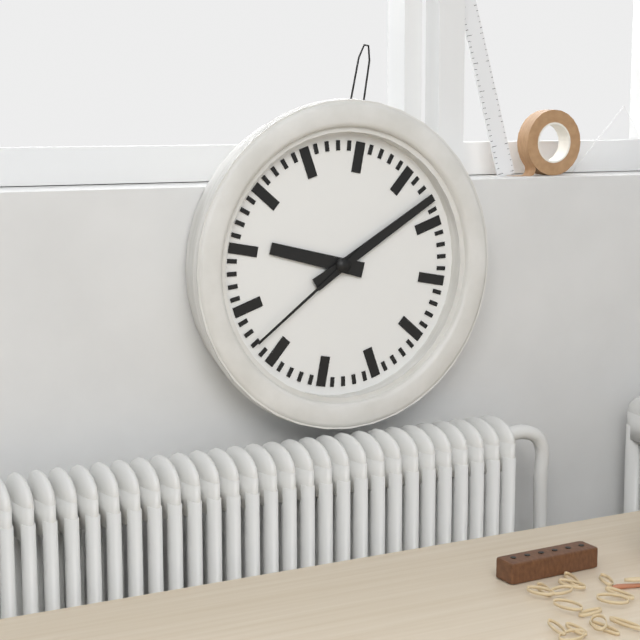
{"hour": 9, "minute": 8, "second": 37}
